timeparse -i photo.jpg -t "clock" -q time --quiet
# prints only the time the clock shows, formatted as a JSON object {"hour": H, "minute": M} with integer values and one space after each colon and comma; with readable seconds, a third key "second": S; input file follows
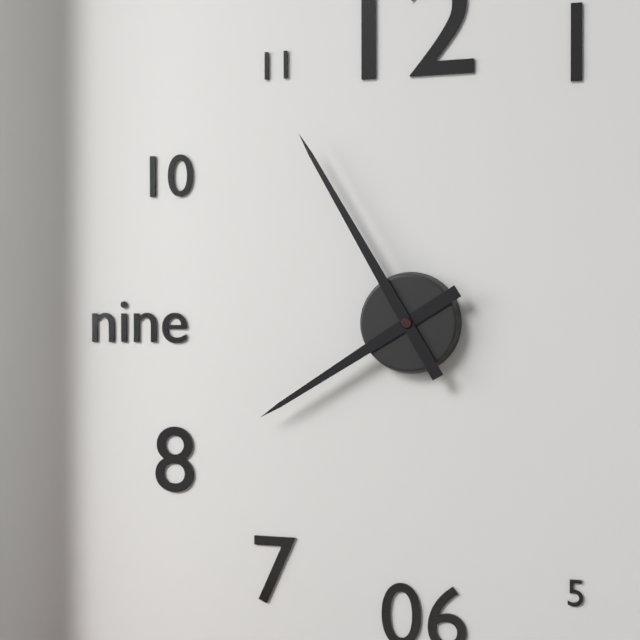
{"hour": 7, "minute": 55}
